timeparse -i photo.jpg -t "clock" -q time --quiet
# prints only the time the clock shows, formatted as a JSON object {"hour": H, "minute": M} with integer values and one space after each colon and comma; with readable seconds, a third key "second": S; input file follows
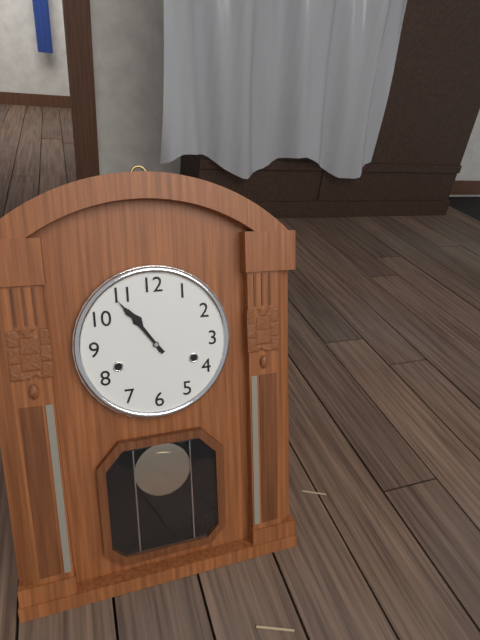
{"hour": 10, "minute": 54}
